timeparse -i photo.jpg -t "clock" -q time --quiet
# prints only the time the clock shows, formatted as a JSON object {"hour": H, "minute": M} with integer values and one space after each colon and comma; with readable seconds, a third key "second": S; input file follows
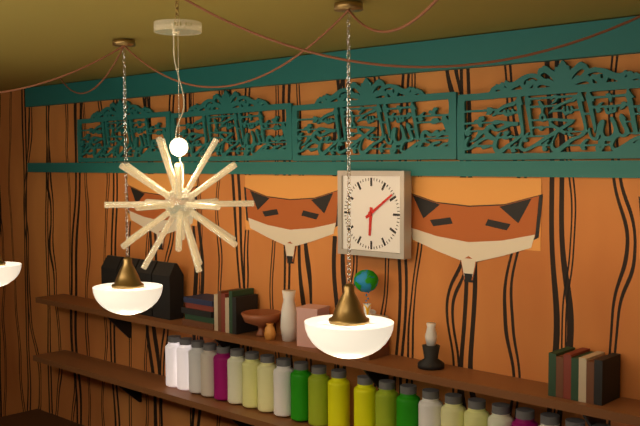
{"hour": 6, "minute": 9}
